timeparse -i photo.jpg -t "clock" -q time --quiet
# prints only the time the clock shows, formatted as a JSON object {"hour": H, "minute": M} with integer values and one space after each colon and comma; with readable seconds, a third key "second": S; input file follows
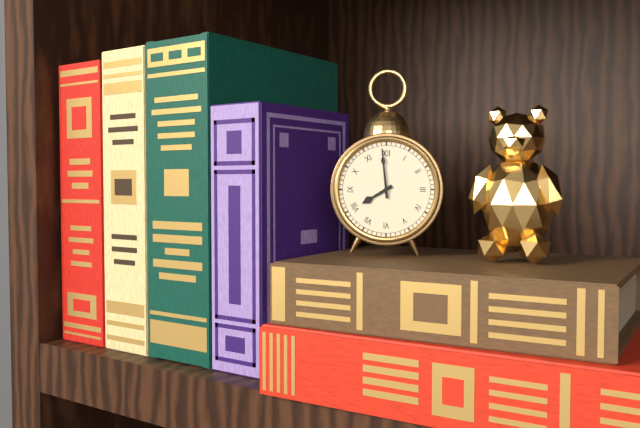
{"hour": 7, "minute": 59}
